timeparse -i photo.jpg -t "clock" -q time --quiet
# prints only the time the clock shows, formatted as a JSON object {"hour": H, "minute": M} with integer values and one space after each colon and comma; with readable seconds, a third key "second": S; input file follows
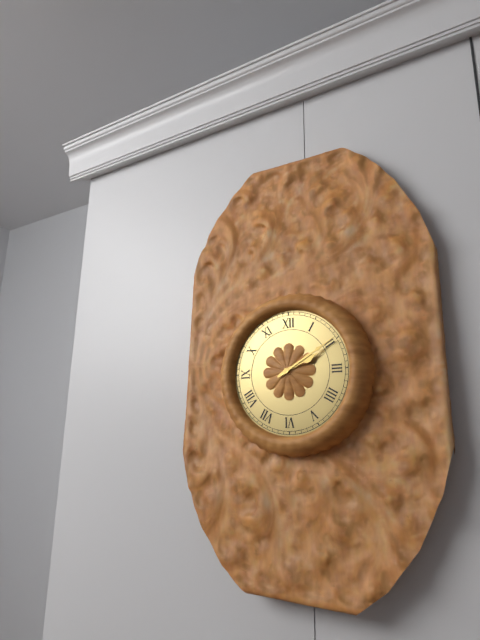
{"hour": 2, "minute": 10}
